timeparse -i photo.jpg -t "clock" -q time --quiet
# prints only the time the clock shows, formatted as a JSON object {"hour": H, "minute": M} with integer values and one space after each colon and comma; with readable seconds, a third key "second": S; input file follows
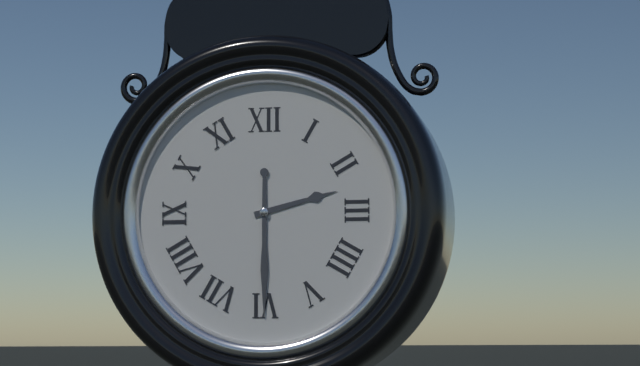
{"hour": 2, "minute": 30}
